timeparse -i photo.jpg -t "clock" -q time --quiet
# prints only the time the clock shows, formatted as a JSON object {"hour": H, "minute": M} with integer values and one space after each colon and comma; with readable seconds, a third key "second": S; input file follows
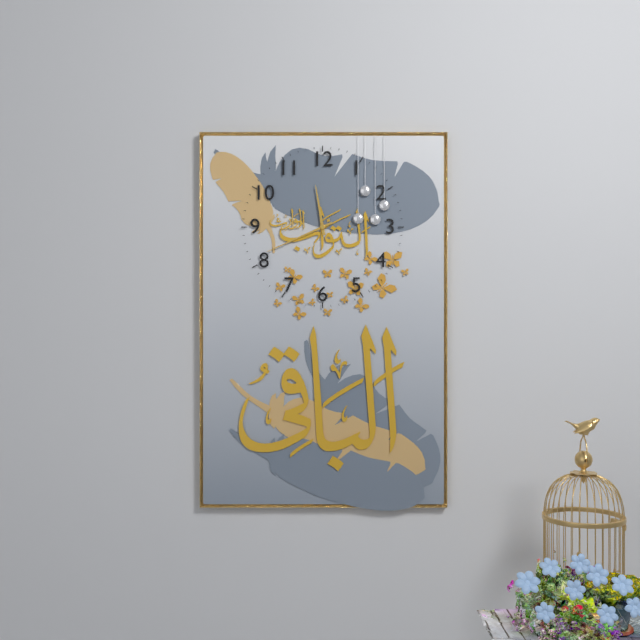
{"hour": 11, "minute": 41}
